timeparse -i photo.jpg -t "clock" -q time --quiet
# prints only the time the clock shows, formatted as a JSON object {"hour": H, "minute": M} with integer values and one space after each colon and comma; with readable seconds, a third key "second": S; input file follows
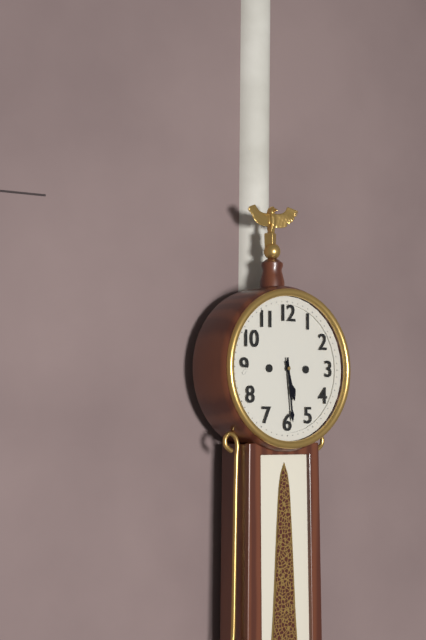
{"hour": 5, "minute": 29}
